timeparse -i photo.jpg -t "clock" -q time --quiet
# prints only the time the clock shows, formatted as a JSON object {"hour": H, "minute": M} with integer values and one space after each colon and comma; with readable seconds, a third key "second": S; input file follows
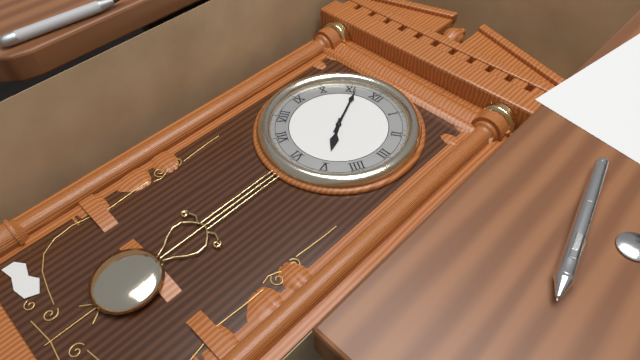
{"hour": 4, "minute": 56}
